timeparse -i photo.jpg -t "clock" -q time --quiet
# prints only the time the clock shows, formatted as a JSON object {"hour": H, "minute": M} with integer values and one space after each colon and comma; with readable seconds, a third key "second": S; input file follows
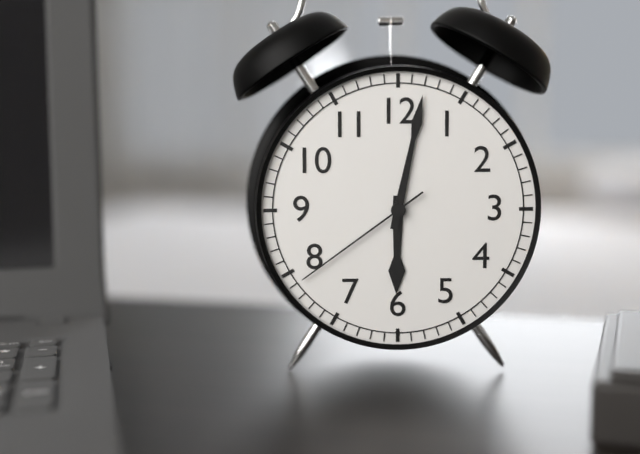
{"hour": 6, "minute": 2, "second": 39}
